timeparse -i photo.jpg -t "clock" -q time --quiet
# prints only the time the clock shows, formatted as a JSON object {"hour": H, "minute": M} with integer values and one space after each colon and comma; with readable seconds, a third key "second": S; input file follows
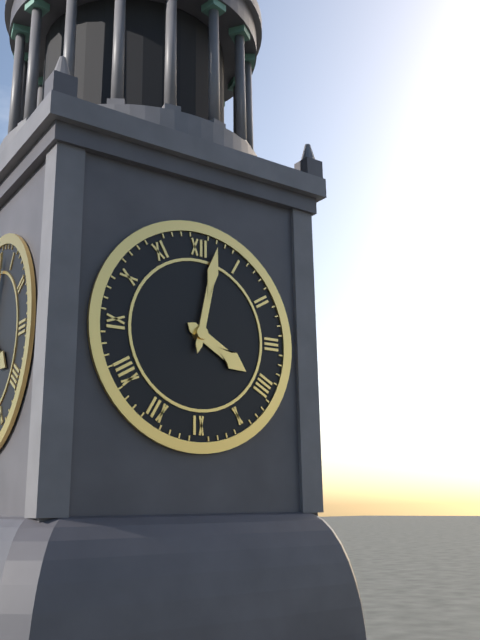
{"hour": 4, "minute": 2}
